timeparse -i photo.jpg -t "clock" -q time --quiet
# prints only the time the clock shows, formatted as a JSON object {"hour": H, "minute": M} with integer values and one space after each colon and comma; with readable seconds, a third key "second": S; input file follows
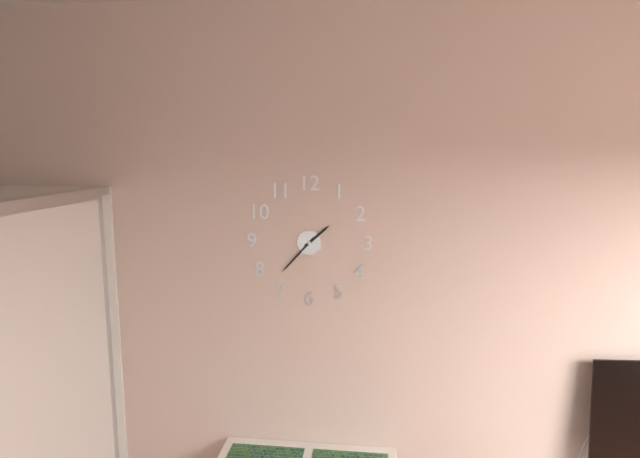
{"hour": 1, "minute": 37}
